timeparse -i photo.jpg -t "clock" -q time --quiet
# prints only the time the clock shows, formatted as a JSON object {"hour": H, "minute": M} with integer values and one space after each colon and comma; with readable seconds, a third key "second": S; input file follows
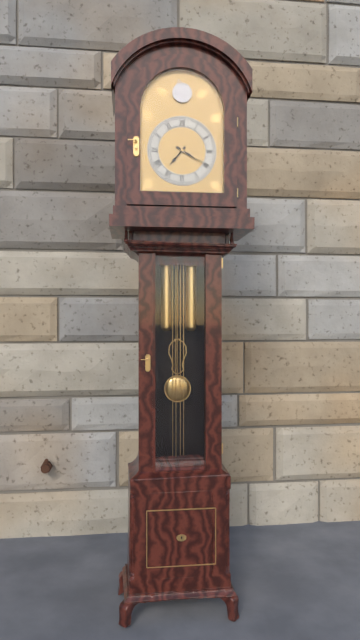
{"hour": 7, "minute": 20}
